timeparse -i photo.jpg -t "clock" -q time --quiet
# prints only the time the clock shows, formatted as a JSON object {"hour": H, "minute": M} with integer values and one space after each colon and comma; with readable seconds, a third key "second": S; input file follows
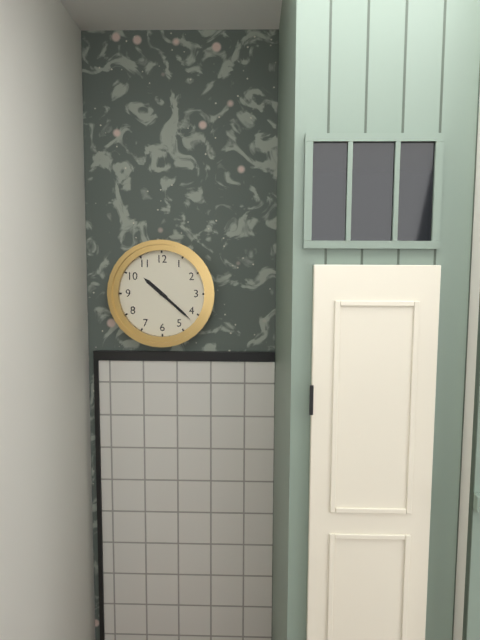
{"hour": 10, "minute": 22}
